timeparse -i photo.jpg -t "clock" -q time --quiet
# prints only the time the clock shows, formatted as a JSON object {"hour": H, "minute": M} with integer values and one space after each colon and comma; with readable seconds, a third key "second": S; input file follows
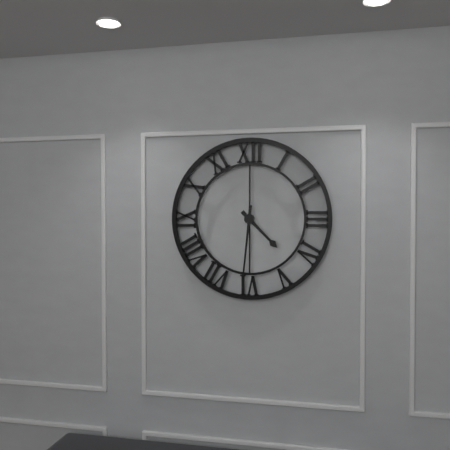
{"hour": 4, "minute": 31}
